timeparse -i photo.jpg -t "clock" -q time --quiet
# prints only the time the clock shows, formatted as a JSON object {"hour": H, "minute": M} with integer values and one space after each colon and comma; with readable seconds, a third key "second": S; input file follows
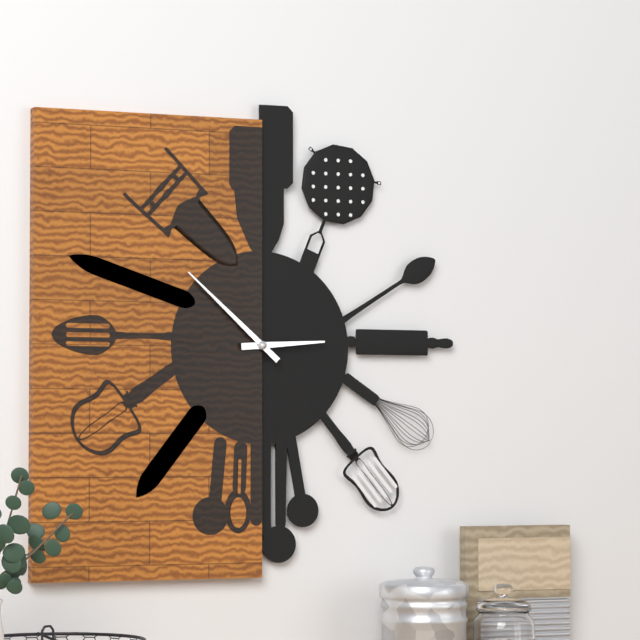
{"hour": 2, "minute": 52}
